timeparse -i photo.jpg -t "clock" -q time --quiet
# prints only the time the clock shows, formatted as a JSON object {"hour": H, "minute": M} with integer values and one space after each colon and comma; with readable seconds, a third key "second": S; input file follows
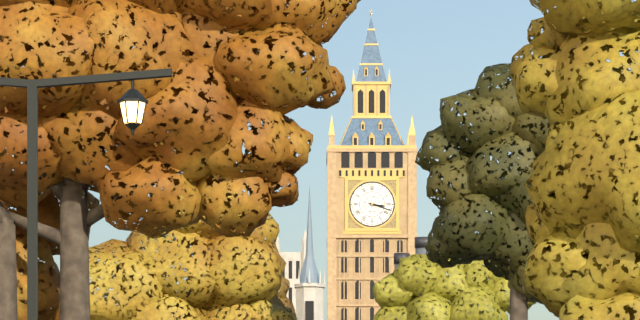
{"hour": 3, "minute": 18}
